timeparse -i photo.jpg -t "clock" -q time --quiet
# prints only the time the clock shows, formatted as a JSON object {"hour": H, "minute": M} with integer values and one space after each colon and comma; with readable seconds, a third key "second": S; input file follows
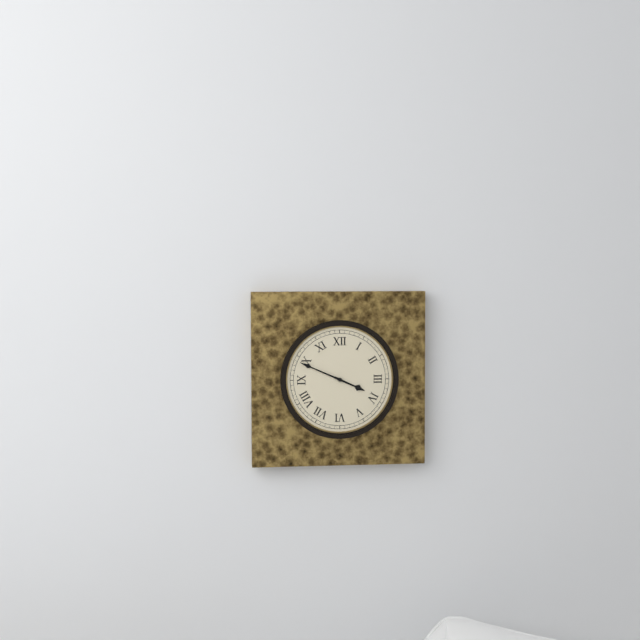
{"hour": 3, "minute": 49}
